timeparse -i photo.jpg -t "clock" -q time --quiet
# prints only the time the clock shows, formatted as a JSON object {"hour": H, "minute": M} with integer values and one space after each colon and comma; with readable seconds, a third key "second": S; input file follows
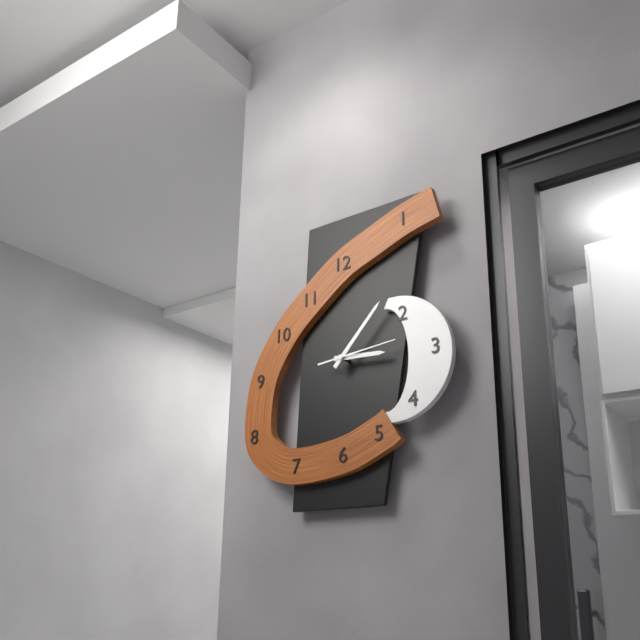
{"hour": 3, "minute": 7, "second": 14}
